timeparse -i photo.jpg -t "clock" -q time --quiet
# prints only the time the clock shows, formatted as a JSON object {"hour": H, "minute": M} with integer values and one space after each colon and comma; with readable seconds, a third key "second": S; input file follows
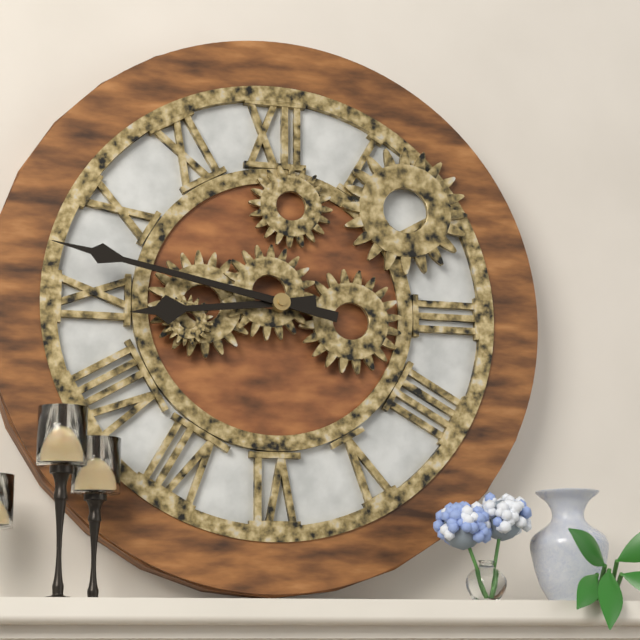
{"hour": 8, "minute": 47}
